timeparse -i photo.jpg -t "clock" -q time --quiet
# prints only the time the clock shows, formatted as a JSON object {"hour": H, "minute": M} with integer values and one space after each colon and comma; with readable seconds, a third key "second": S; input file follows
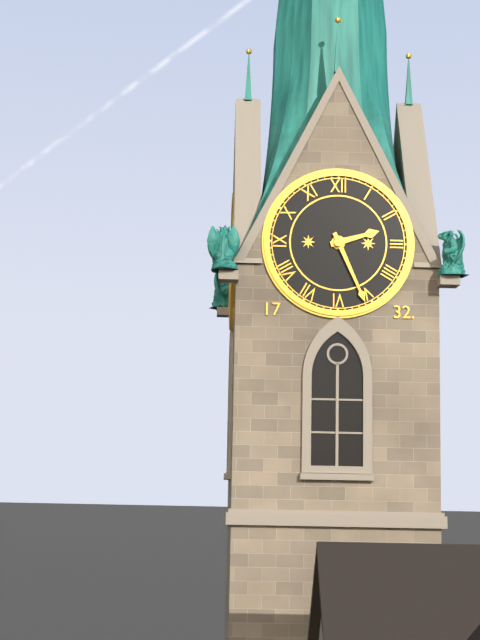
{"hour": 2, "minute": 26}
